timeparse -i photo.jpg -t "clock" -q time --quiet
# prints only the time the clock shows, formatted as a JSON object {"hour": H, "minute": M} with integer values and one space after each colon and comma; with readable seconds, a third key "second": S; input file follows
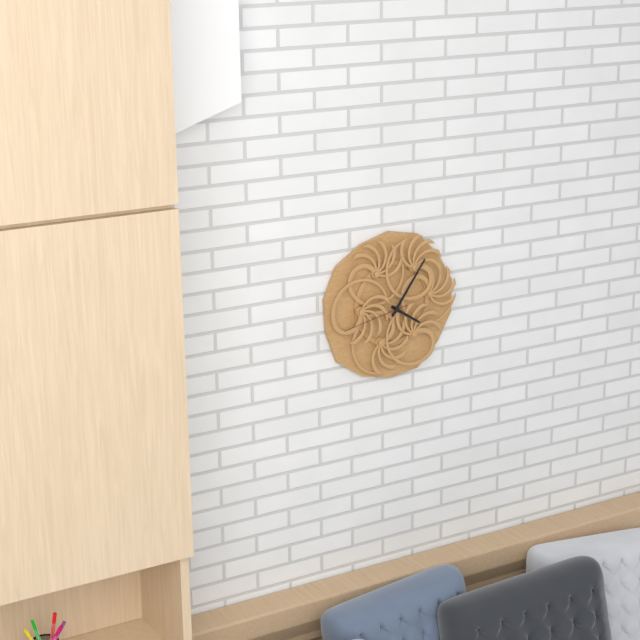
{"hour": 4, "minute": 6, "second": 43}
